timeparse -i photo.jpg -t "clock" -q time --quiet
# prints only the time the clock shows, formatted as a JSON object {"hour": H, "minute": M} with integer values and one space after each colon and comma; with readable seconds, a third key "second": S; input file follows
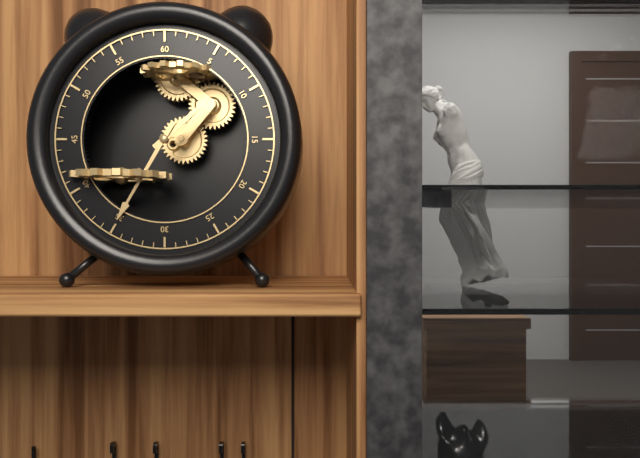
{"hour": 1, "minute": 35}
